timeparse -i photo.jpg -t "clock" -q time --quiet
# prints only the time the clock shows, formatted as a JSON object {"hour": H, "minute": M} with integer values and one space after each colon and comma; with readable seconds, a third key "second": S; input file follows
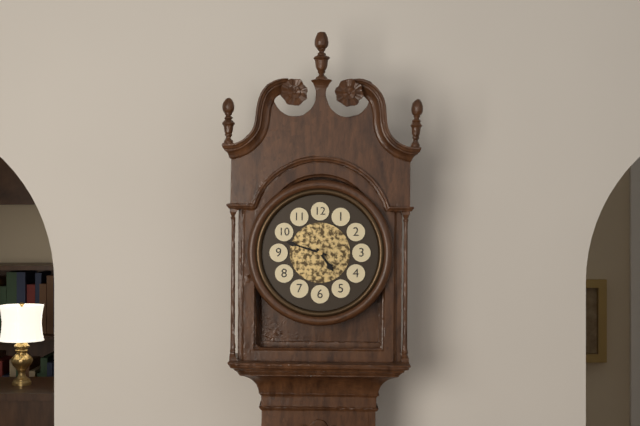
{"hour": 4, "minute": 48}
